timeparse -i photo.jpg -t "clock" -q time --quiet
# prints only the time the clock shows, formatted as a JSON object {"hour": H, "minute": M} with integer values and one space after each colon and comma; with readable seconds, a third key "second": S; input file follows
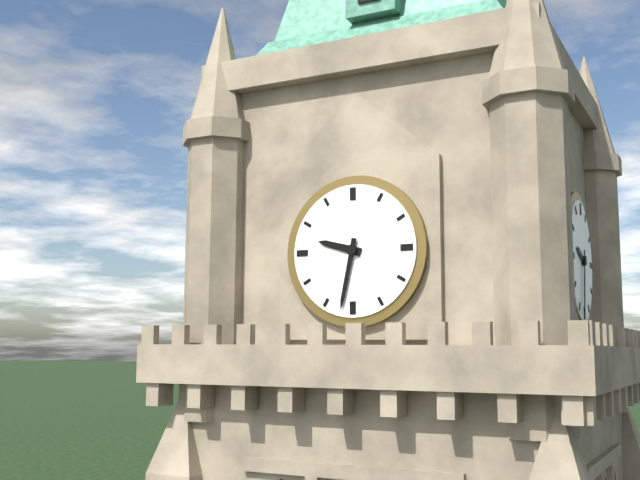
{"hour": 9, "minute": 32}
